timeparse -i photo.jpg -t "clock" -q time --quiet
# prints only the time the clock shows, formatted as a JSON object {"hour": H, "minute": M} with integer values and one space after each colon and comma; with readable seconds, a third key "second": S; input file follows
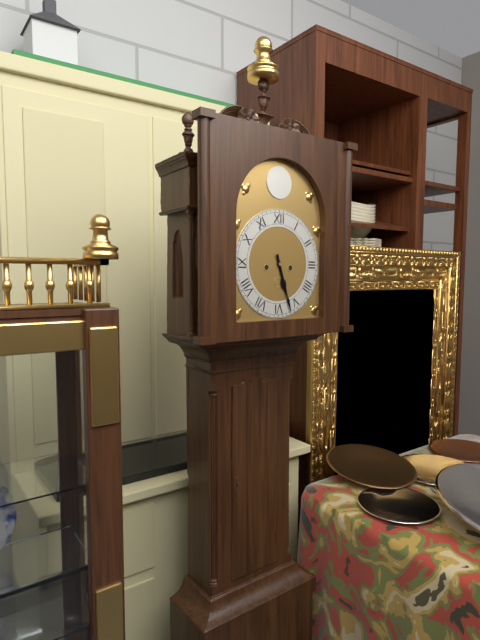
{"hour": 5, "minute": 27}
